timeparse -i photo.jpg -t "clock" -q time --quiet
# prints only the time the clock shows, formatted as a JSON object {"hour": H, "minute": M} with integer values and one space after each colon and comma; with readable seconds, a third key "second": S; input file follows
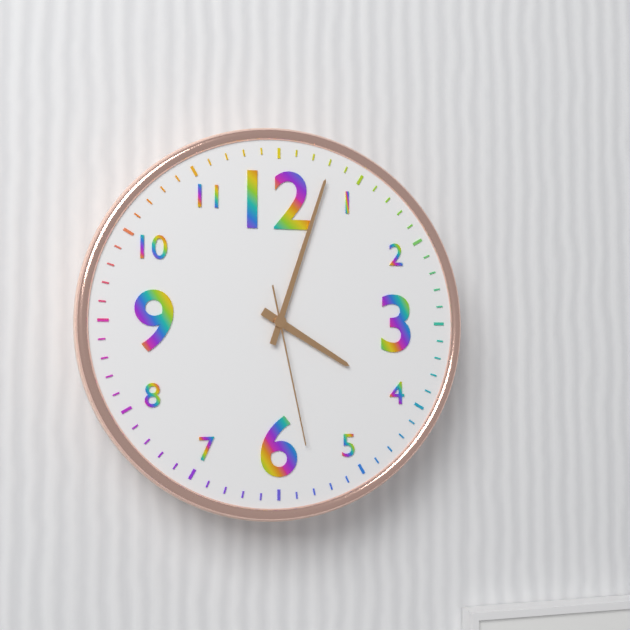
{"hour": 4, "minute": 3, "second": 28}
